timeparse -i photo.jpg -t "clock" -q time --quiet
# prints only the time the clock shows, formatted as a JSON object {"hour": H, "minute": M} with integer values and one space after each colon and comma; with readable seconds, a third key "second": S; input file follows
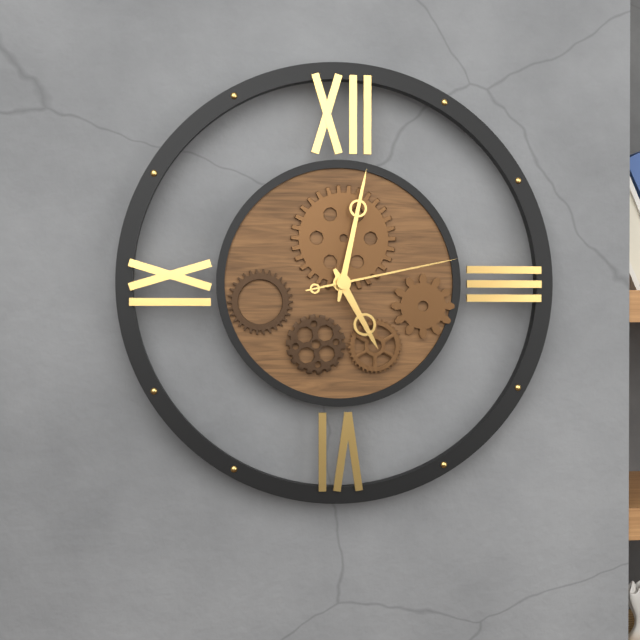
{"hour": 5, "minute": 2, "second": 13}
